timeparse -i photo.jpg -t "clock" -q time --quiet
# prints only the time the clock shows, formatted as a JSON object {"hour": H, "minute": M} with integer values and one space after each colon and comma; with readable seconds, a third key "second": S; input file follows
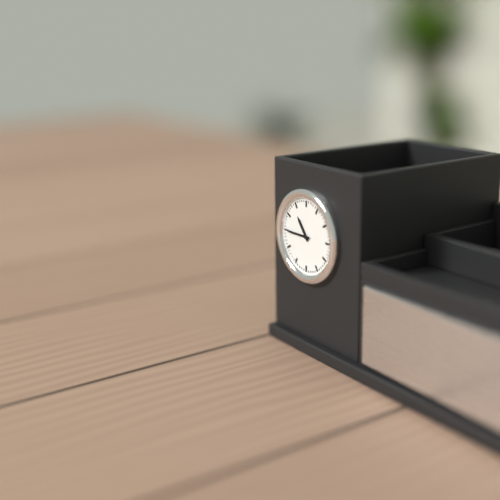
{"hour": 10, "minute": 45}
